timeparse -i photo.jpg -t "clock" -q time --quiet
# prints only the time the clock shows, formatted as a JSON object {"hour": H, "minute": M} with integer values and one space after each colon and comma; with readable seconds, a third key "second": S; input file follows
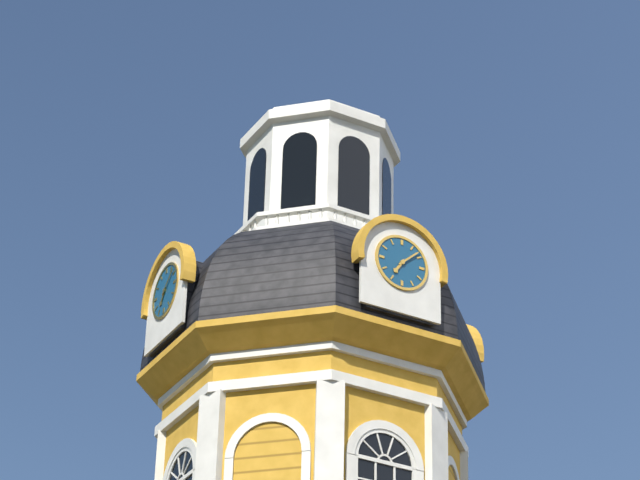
{"hour": 7, "minute": 8}
